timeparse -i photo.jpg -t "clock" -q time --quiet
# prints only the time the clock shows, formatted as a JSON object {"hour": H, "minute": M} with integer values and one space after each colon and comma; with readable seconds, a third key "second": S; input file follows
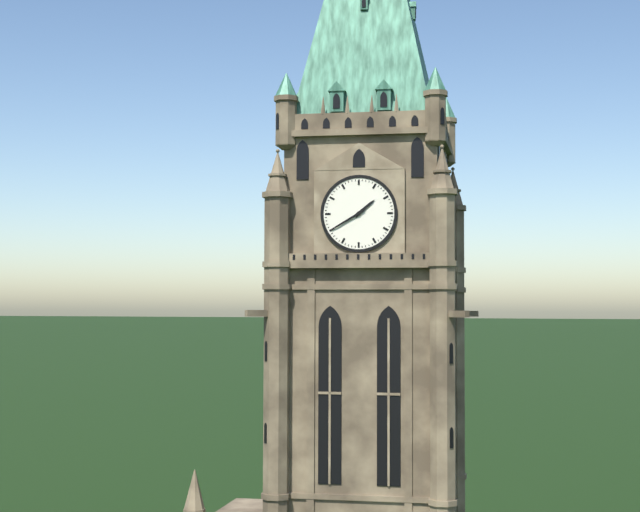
{"hour": 1, "minute": 40}
